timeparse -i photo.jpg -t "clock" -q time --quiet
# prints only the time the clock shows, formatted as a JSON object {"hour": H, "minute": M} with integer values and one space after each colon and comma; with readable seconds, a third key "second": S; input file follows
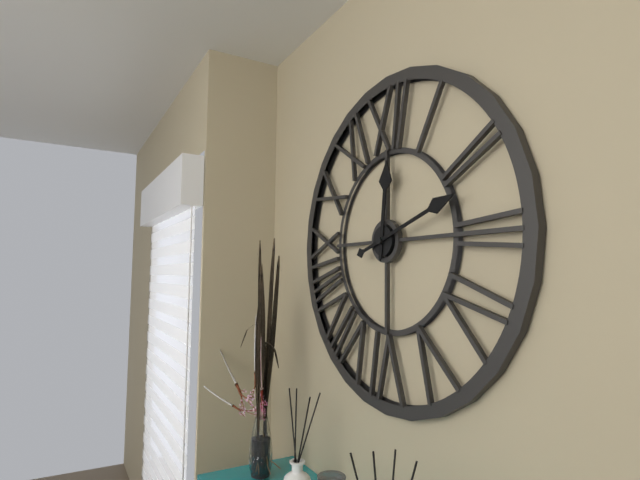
{"hour": 12, "minute": 12}
